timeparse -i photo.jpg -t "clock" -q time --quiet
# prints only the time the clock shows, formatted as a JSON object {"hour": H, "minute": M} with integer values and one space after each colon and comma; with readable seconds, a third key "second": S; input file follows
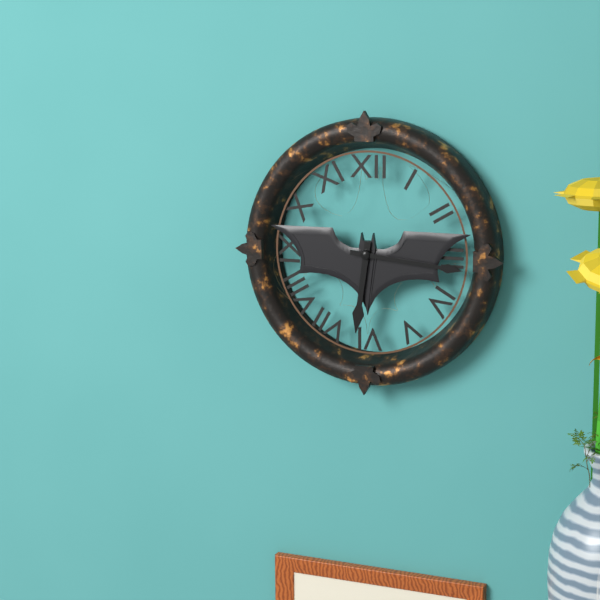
{"hour": 6, "minute": 16}
